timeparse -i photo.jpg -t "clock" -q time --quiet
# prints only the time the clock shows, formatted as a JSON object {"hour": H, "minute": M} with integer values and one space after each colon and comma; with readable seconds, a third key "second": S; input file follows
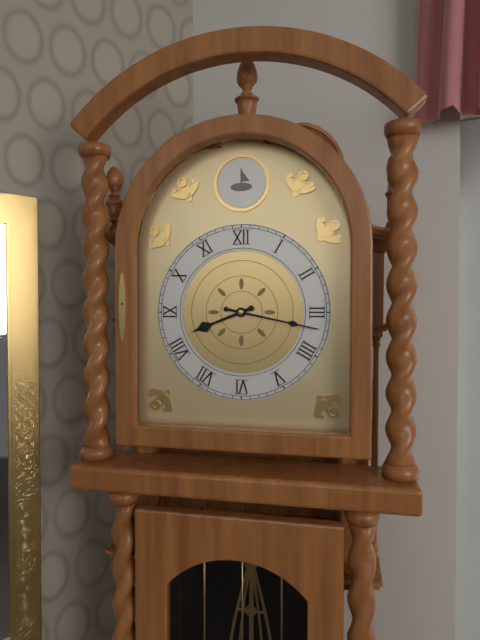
{"hour": 8, "minute": 17}
